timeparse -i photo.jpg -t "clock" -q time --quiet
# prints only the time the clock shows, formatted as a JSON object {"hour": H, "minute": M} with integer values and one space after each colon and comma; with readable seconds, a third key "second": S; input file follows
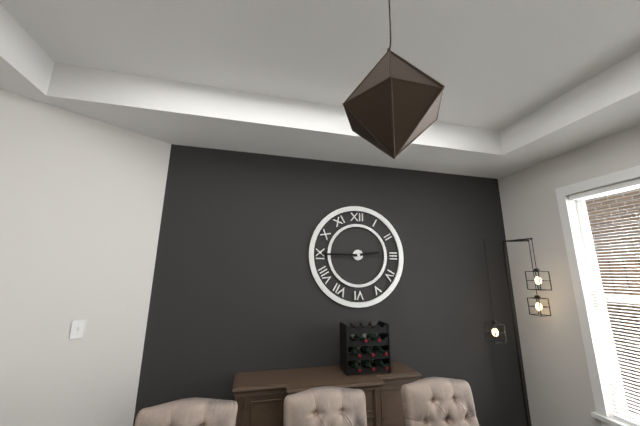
{"hour": 2, "minute": 45}
